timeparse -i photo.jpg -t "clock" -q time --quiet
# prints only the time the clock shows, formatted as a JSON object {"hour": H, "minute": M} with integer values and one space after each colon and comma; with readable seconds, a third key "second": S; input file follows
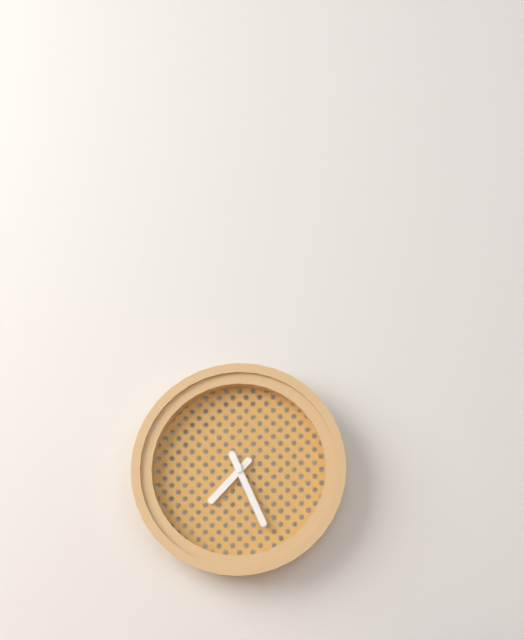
{"hour": 7, "minute": 26}
